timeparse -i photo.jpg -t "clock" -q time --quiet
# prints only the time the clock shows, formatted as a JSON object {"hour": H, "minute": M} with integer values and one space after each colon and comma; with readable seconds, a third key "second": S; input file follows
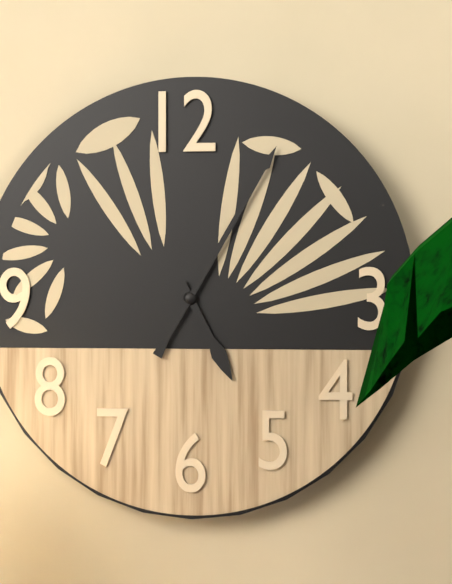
{"hour": 5, "minute": 5}
